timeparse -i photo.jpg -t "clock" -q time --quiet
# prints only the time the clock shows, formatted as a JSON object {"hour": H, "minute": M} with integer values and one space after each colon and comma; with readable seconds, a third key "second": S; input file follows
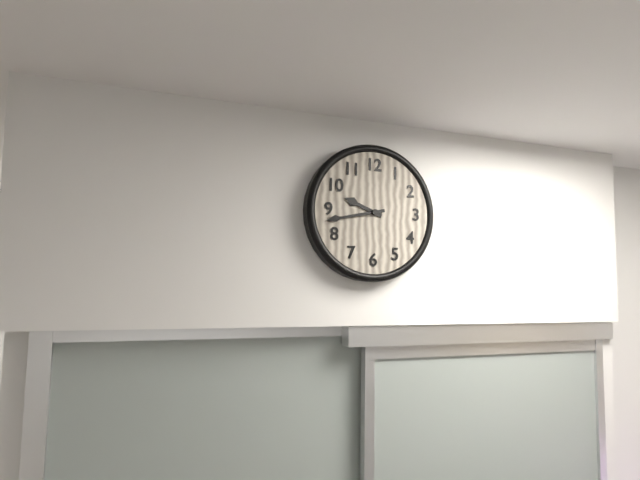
{"hour": 9, "minute": 43}
